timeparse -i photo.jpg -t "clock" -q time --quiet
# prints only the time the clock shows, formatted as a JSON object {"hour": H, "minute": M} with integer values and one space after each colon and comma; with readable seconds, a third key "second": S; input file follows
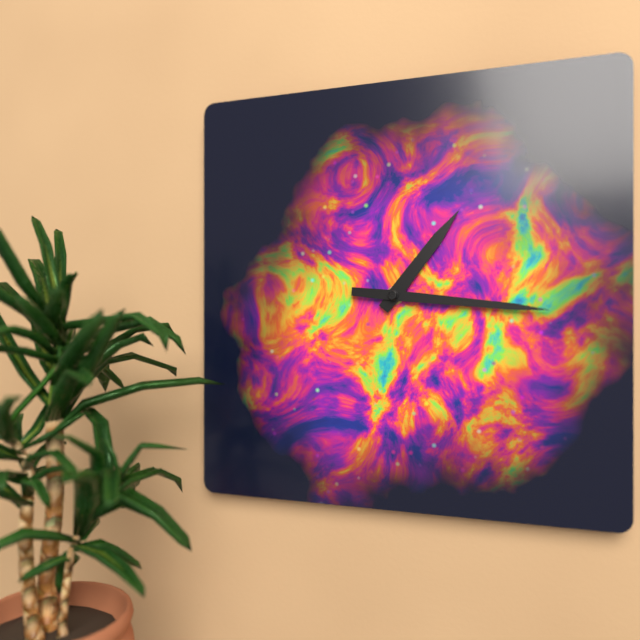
{"hour": 1, "minute": 16}
